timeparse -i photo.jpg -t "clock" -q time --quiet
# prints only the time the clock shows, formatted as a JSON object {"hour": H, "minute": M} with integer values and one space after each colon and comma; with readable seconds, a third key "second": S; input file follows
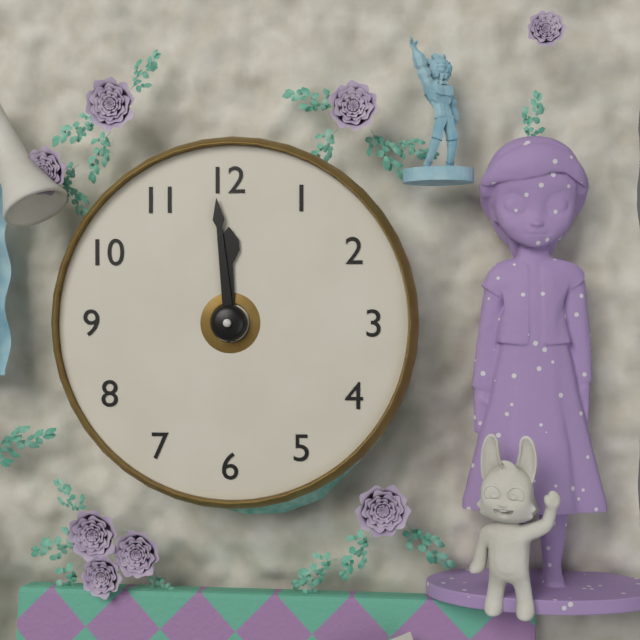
{"hour": 11, "minute": 59}
